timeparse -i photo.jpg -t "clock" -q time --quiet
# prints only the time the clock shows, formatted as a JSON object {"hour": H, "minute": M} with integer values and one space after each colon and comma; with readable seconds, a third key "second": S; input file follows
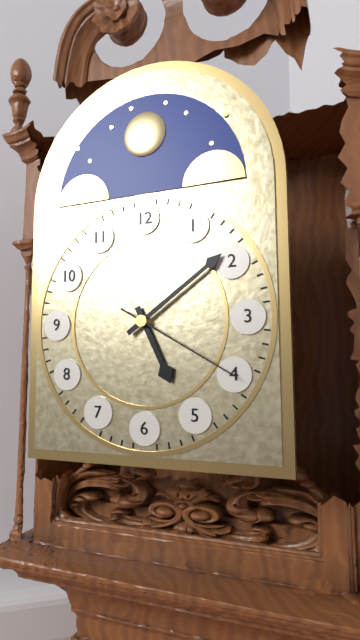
{"hour": 5, "minute": 9, "second": 20}
